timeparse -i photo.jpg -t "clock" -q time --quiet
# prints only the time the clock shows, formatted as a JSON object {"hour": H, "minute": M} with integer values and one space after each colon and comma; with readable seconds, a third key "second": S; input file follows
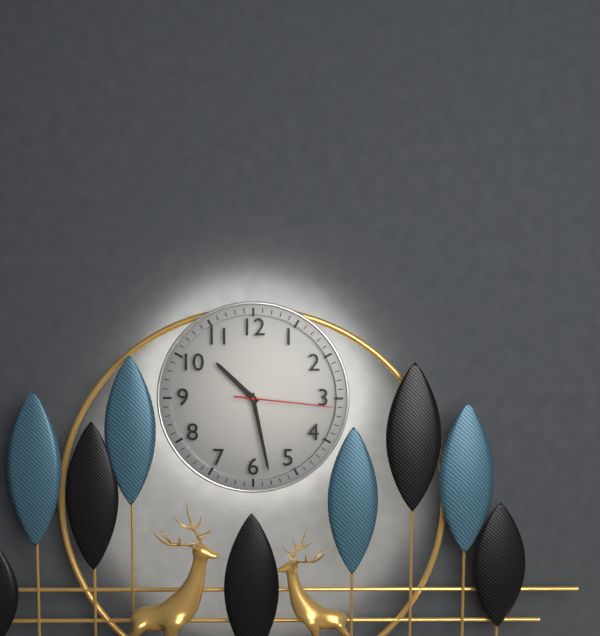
{"hour": 10, "minute": 28, "second": 16}
